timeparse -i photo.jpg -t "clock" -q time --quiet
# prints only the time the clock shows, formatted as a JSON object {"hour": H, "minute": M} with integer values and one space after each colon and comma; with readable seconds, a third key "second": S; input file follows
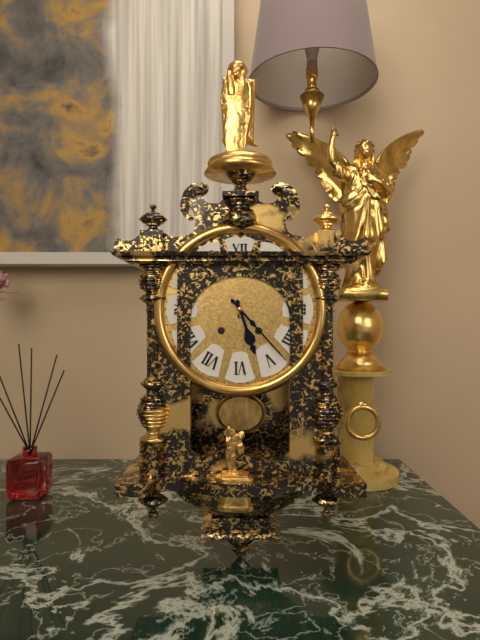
{"hour": 5, "minute": 23}
